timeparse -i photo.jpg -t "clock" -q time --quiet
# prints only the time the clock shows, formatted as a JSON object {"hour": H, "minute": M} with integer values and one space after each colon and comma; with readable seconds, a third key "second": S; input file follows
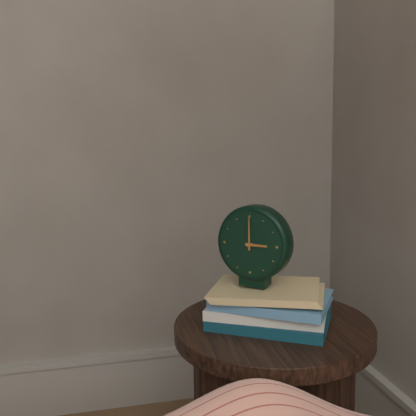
{"hour": 3, "minute": 0}
